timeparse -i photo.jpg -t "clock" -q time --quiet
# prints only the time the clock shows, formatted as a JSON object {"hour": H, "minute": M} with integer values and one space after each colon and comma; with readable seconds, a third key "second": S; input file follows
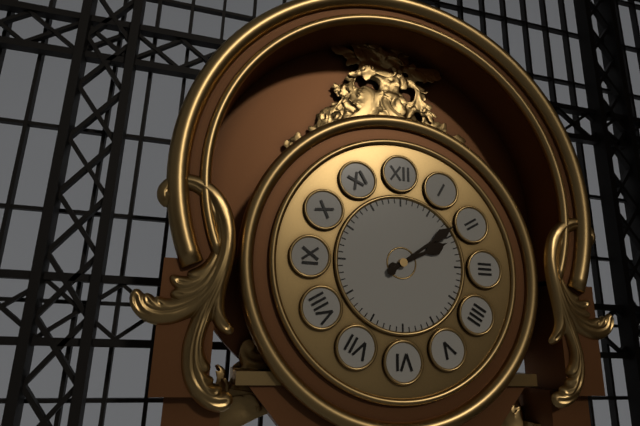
{"hour": 2, "minute": 9}
